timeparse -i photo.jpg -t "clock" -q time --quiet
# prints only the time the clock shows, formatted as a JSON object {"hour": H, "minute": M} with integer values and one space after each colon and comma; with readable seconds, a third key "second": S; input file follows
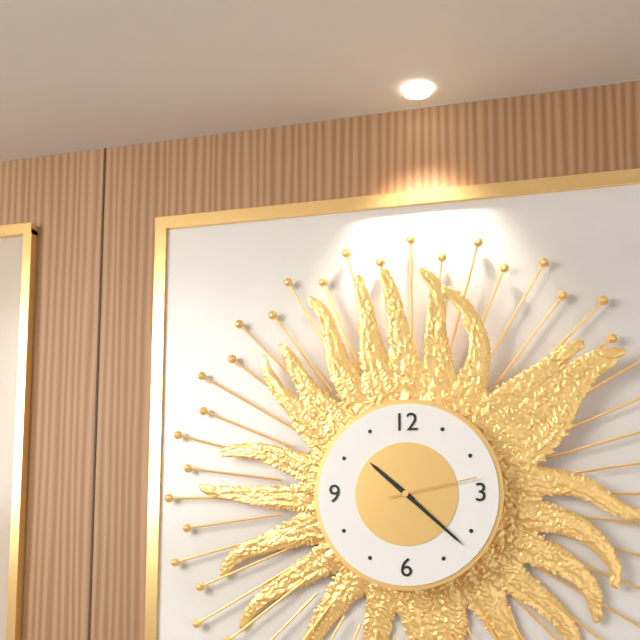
{"hour": 10, "minute": 22, "second": 13}
